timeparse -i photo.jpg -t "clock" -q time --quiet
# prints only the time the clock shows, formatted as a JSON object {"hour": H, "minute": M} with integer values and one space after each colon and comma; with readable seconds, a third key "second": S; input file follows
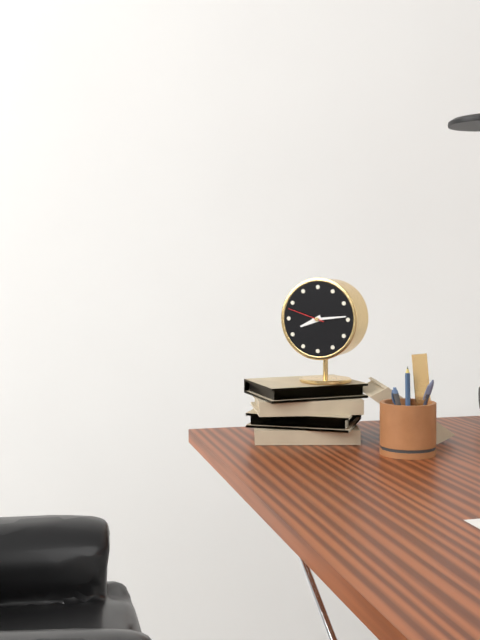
{"hour": 8, "minute": 14}
